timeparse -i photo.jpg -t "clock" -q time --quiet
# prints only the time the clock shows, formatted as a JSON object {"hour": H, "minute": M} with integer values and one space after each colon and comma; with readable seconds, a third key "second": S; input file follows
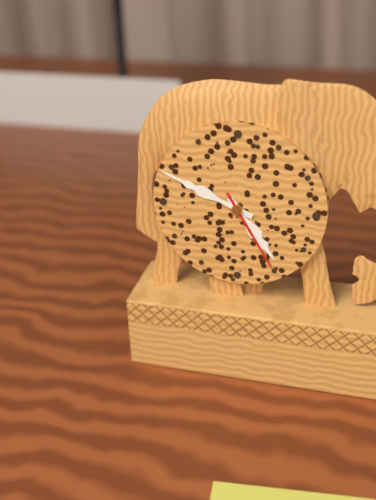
{"hour": 4, "minute": 49, "second": 25}
